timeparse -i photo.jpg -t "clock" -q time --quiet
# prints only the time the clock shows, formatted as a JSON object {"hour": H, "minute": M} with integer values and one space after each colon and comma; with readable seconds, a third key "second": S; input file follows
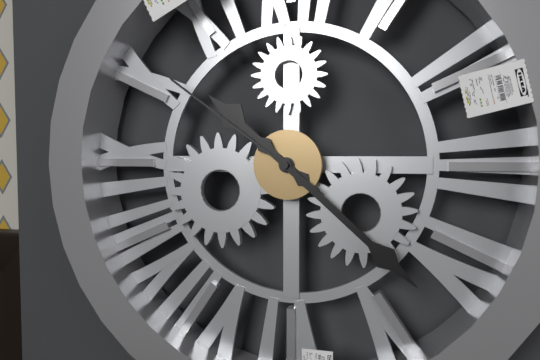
{"hour": 10, "minute": 22, "second": 51}
